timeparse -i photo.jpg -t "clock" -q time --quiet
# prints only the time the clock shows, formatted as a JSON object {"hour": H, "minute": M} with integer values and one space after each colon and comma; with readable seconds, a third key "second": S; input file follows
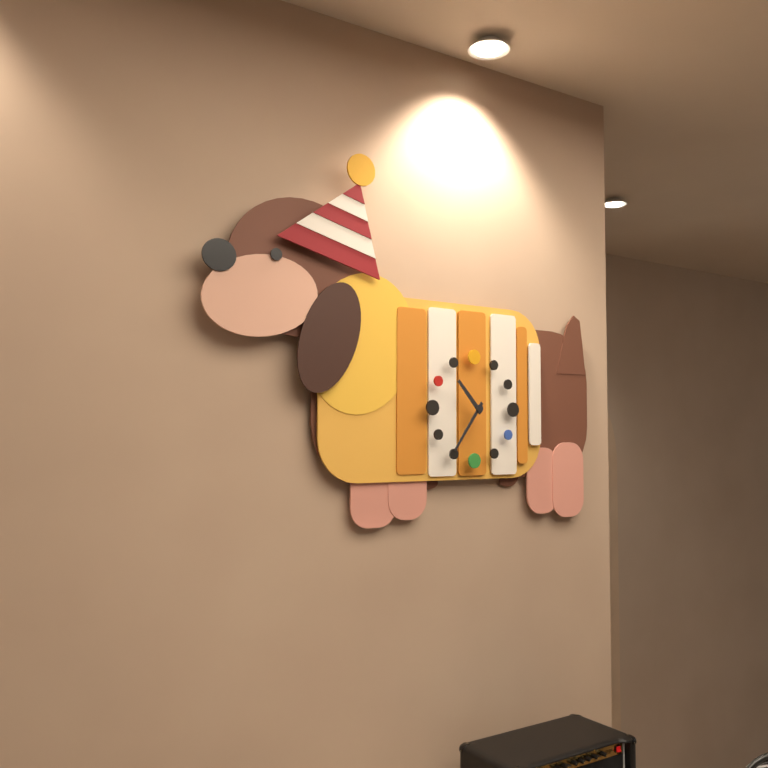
{"hour": 10, "minute": 36}
